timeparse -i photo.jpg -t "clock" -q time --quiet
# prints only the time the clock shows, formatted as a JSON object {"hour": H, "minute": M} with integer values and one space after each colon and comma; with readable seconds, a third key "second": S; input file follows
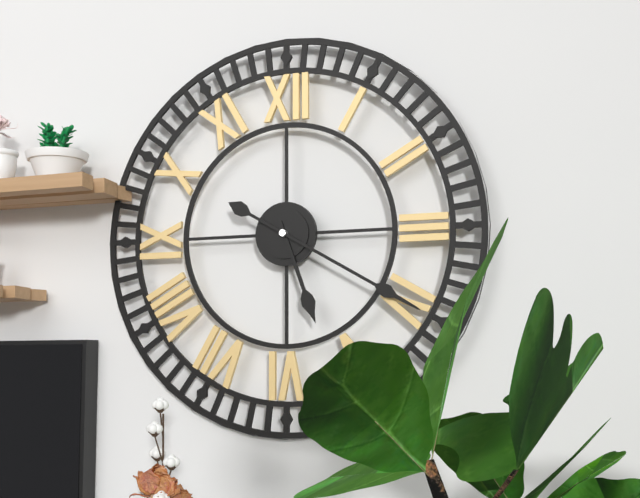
{"hour": 5, "minute": 20}
